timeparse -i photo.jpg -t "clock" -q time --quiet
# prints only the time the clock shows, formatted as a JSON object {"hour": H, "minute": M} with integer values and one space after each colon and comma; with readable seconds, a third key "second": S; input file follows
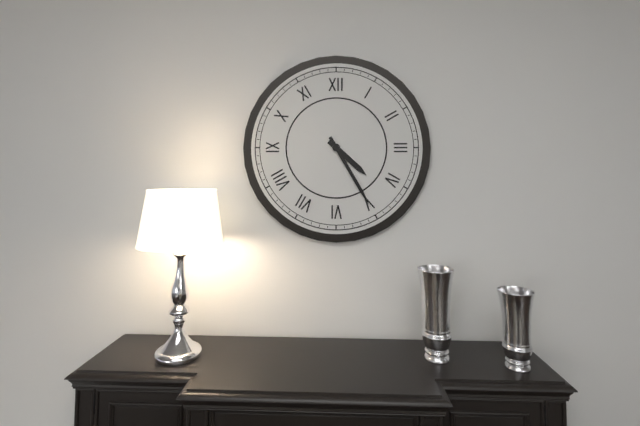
{"hour": 4, "minute": 25}
